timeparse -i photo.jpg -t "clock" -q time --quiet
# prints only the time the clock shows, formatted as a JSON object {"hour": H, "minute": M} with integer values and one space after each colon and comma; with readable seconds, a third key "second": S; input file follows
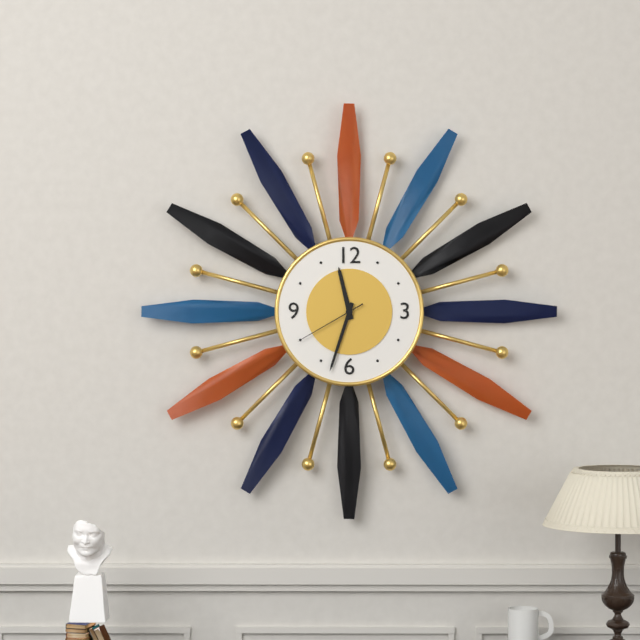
{"hour": 11, "minute": 33, "second": 40}
